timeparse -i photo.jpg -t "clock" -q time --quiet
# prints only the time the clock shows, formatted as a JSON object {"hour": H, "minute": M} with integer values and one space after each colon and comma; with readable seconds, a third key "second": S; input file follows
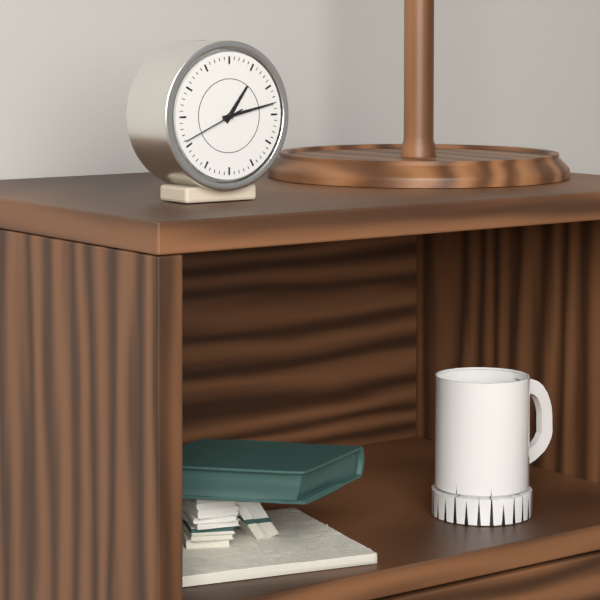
{"hour": 1, "minute": 13, "second": 41}
